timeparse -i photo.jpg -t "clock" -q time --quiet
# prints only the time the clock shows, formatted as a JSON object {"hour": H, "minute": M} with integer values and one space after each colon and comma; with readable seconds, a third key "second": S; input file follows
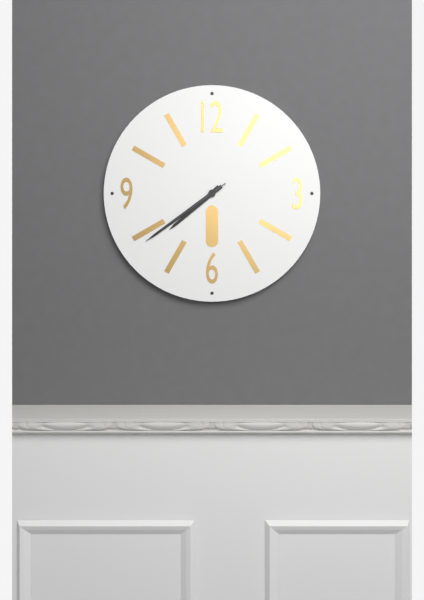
{"hour": 7, "minute": 39, "second": 39}
